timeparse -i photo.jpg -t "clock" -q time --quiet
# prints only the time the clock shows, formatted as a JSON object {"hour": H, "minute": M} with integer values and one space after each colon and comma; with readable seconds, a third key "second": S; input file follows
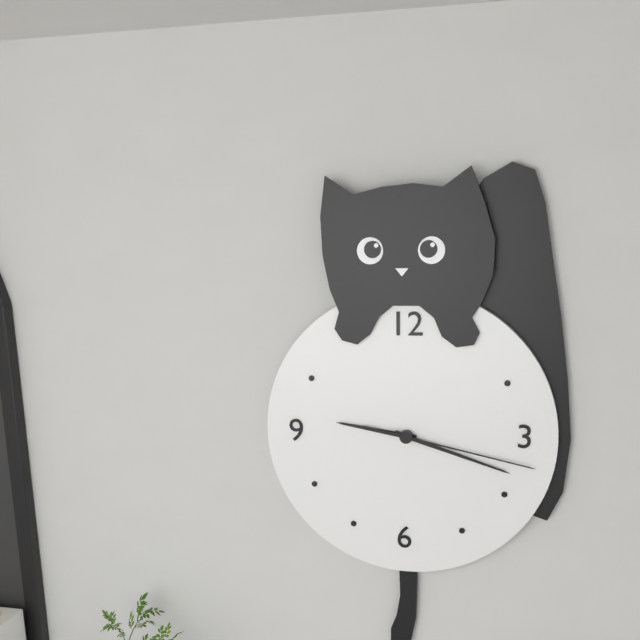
{"hour": 9, "minute": 18, "second": 17}
